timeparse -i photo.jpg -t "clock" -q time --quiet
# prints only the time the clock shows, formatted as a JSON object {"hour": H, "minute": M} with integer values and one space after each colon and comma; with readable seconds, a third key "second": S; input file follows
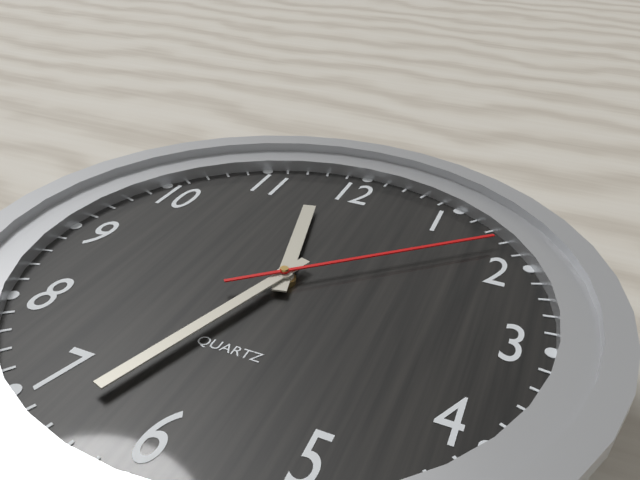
{"hour": 11, "minute": 33, "second": 8}
